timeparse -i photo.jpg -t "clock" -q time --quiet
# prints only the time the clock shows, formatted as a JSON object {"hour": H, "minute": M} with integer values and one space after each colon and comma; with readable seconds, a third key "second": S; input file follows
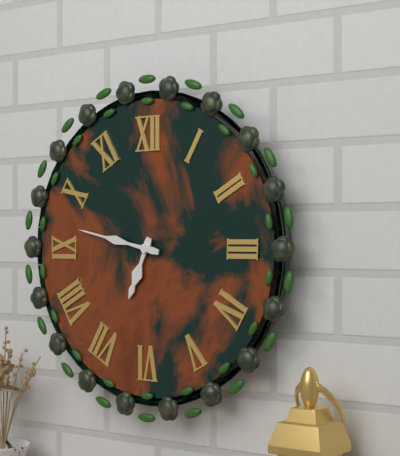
{"hour": 6, "minute": 47}
